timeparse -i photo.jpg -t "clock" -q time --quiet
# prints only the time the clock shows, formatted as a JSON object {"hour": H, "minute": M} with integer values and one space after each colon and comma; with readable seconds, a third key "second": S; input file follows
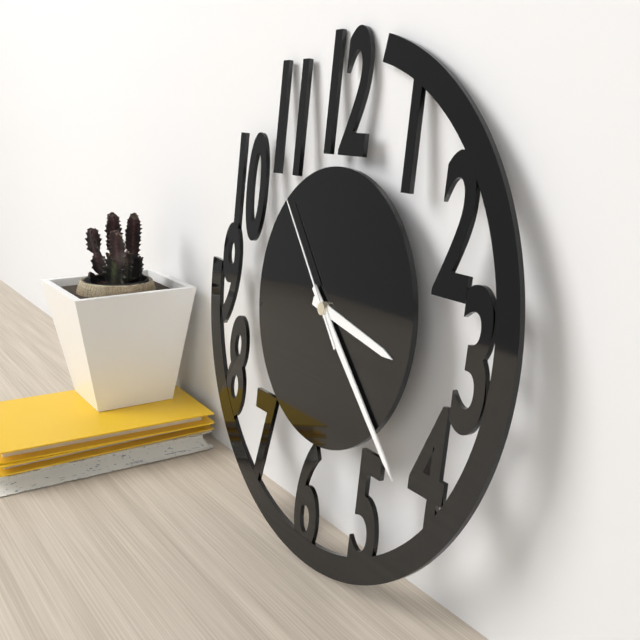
{"hour": 3, "minute": 22, "second": 53}
